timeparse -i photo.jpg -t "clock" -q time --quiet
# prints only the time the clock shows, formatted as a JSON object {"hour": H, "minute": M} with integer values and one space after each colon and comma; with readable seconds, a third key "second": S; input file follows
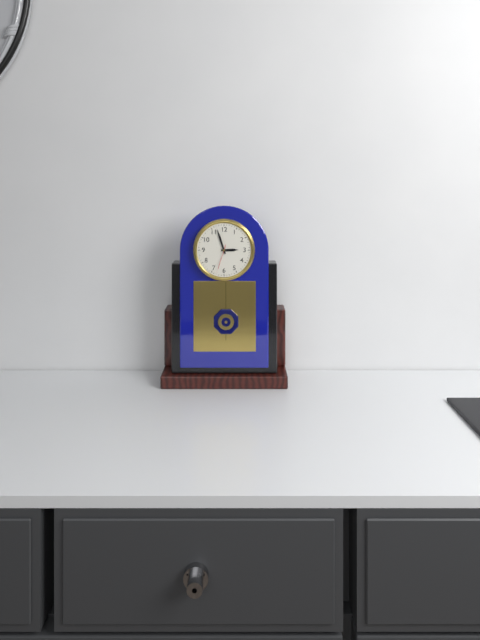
{"hour": 2, "minute": 57}
